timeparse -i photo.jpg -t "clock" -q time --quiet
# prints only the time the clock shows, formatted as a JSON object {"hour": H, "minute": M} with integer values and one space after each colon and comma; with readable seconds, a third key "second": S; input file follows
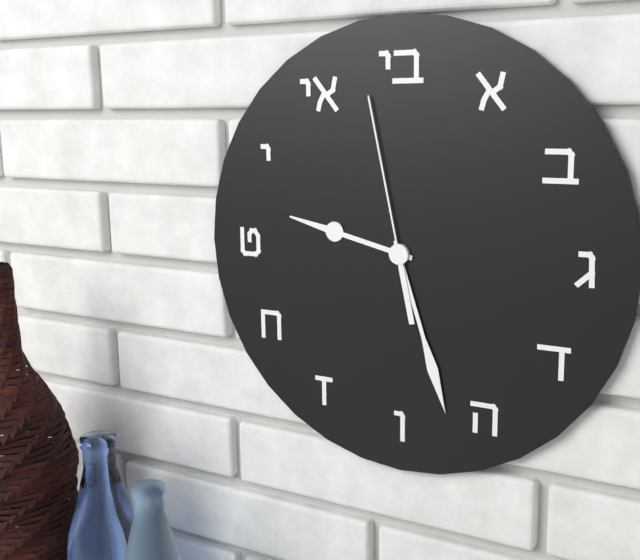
{"hour": 9, "minute": 27, "second": 58}
